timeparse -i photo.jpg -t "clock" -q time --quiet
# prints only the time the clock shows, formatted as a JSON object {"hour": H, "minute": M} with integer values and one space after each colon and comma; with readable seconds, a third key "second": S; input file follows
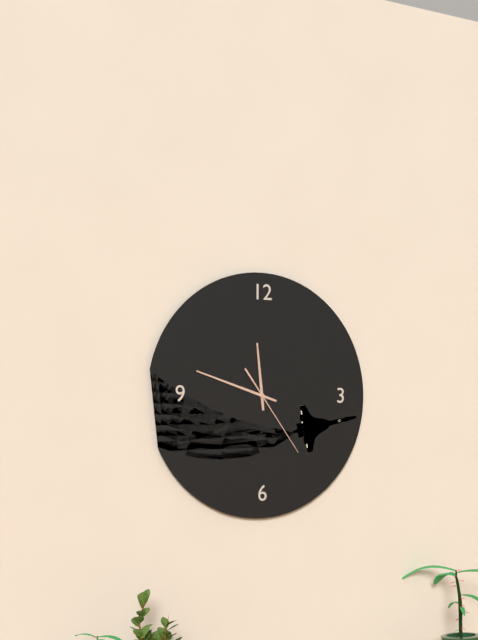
{"hour": 11, "minute": 48, "second": 24}
